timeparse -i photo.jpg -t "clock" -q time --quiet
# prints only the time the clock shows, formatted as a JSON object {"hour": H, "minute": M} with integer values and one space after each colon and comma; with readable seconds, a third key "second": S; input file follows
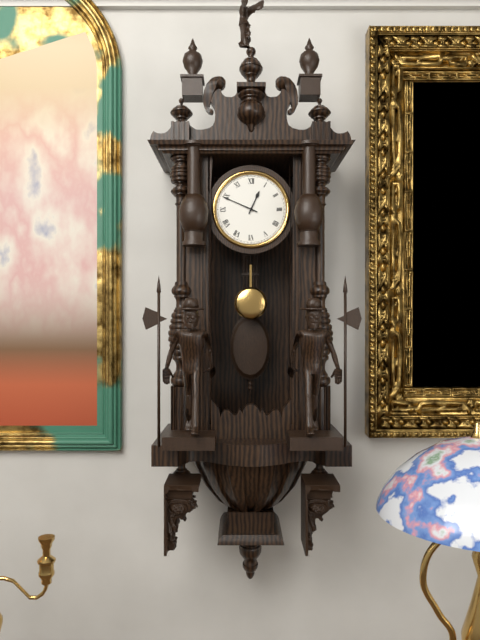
{"hour": 12, "minute": 49}
